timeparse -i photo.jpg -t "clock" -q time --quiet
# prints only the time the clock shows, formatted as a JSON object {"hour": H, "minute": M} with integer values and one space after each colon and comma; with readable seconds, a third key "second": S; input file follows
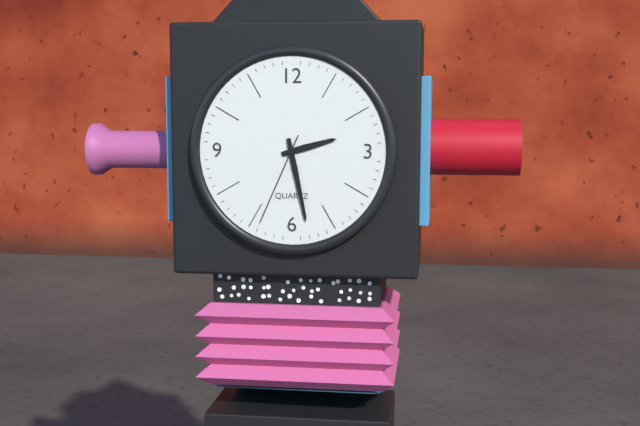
{"hour": 2, "minute": 28, "second": 34}
